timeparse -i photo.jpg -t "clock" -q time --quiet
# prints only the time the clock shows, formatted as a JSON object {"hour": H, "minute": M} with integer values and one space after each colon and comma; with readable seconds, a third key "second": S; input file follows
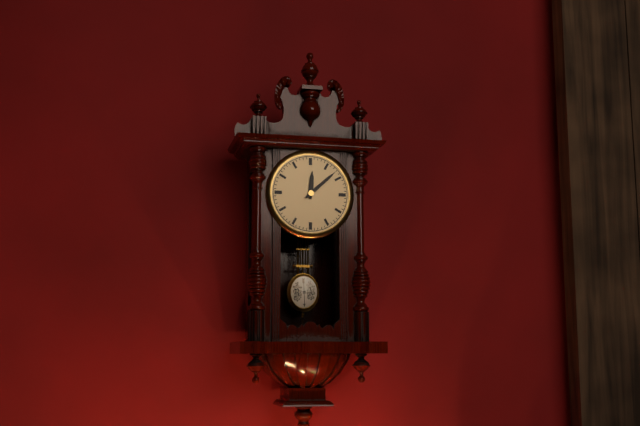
{"hour": 12, "minute": 8}
